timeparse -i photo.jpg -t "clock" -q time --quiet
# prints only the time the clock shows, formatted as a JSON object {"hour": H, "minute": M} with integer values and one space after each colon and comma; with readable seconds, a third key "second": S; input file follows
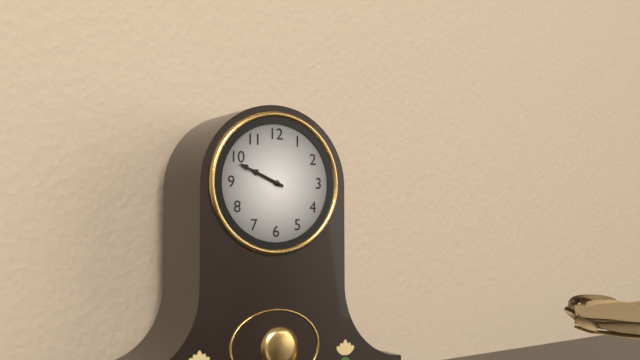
{"hour": 9, "minute": 49}
